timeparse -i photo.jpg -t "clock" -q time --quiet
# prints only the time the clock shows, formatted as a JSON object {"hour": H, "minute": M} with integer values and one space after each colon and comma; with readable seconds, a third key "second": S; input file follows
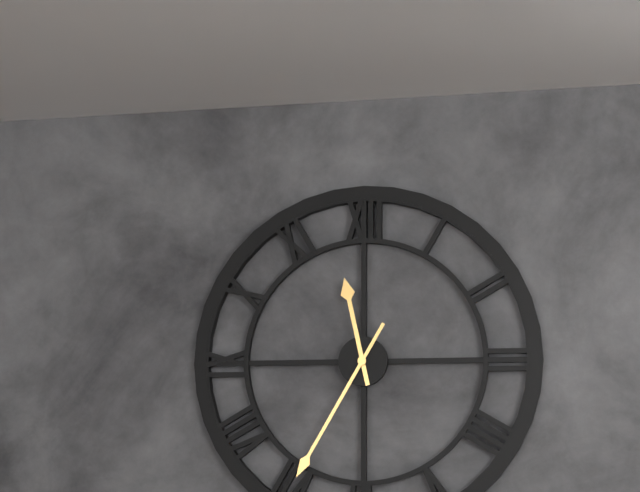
{"hour": 11, "minute": 35}
